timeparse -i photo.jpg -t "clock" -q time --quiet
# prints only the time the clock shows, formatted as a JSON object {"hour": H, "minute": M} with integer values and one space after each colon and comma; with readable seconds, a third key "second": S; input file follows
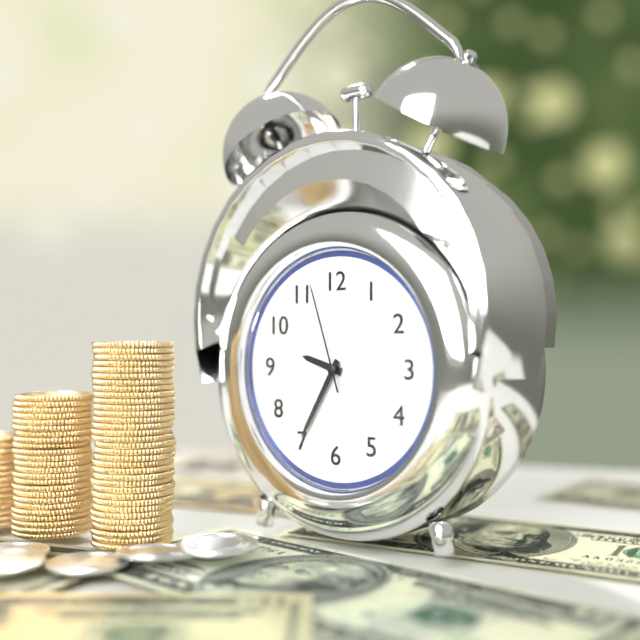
{"hour": 9, "minute": 35, "second": 57}
